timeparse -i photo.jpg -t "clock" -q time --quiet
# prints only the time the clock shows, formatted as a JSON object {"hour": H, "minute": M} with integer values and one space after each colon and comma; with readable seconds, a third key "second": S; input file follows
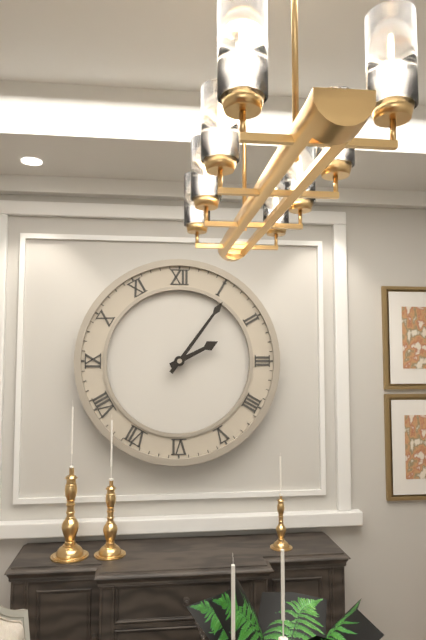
{"hour": 2, "minute": 6}
